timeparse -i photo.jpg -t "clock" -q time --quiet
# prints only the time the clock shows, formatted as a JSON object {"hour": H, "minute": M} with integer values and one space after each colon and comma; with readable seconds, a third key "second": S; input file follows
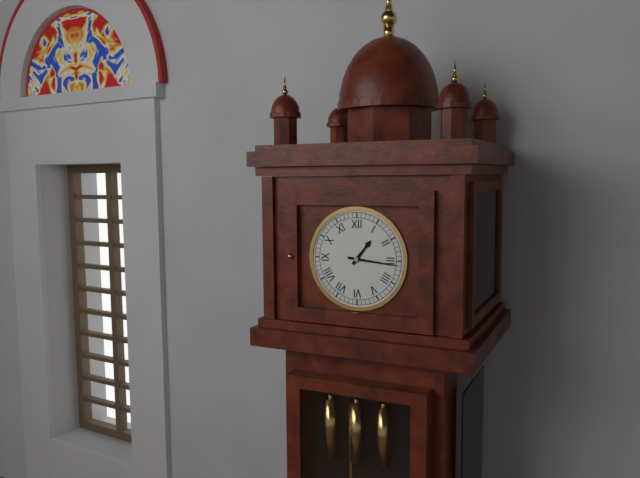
{"hour": 1, "minute": 16}
